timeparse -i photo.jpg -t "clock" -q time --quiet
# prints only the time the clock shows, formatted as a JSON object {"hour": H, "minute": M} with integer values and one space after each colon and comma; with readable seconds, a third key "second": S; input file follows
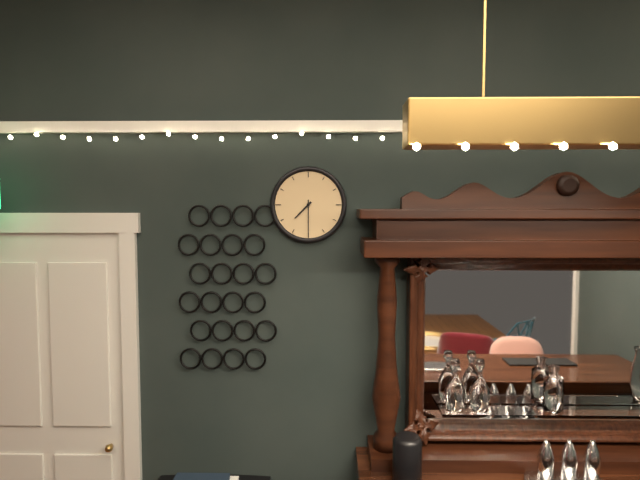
{"hour": 7, "minute": 30}
